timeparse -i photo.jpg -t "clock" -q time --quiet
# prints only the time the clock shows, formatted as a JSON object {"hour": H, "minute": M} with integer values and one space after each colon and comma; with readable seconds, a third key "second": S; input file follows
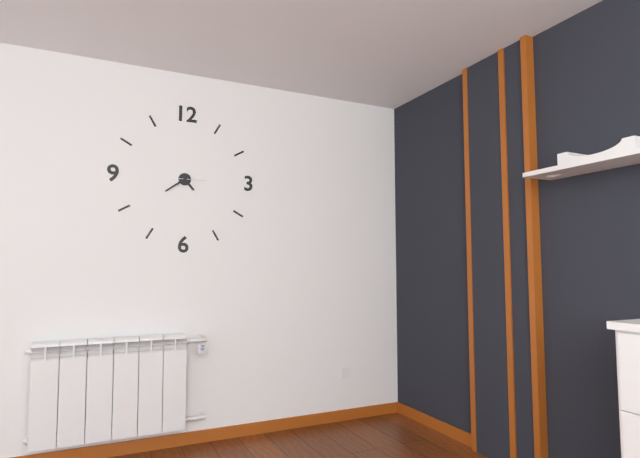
{"hour": 4, "minute": 39}
